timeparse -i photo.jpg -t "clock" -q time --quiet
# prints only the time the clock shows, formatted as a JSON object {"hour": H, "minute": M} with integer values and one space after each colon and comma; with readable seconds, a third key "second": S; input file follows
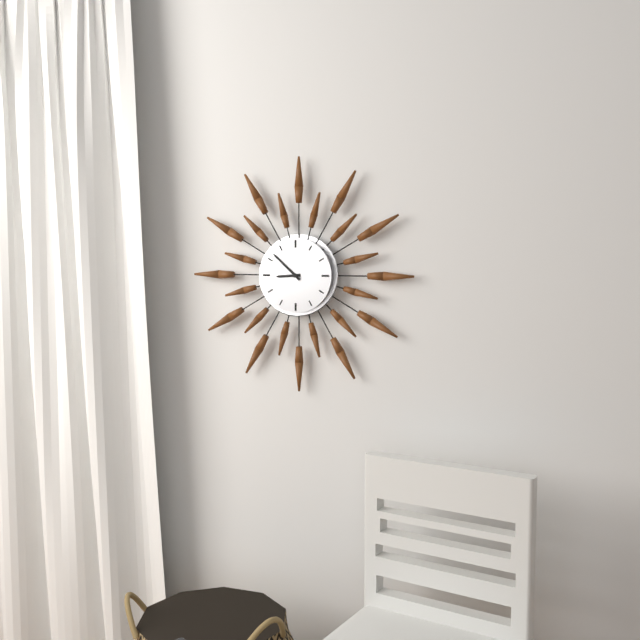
{"hour": 8, "minute": 52}
